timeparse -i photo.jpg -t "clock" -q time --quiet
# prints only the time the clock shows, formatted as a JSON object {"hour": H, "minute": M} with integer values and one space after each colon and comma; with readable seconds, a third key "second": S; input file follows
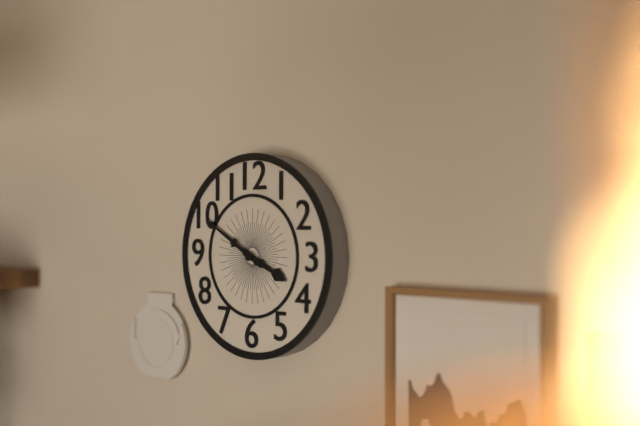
{"hour": 3, "minute": 50}
